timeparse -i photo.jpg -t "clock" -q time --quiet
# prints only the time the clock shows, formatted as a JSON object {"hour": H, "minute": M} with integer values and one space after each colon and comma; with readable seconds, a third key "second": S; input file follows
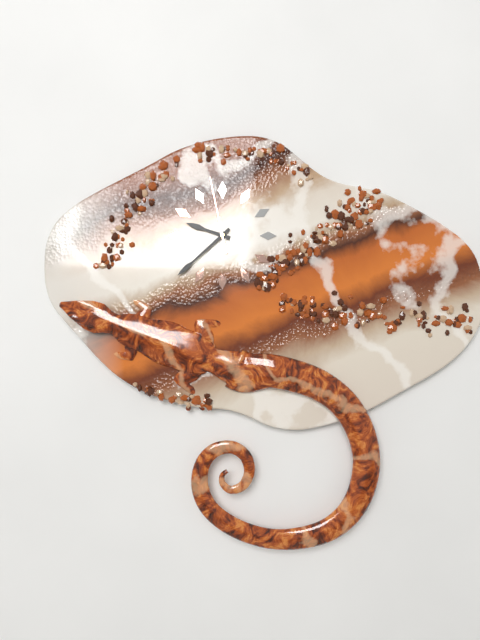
{"hour": 9, "minute": 38, "second": 58}
